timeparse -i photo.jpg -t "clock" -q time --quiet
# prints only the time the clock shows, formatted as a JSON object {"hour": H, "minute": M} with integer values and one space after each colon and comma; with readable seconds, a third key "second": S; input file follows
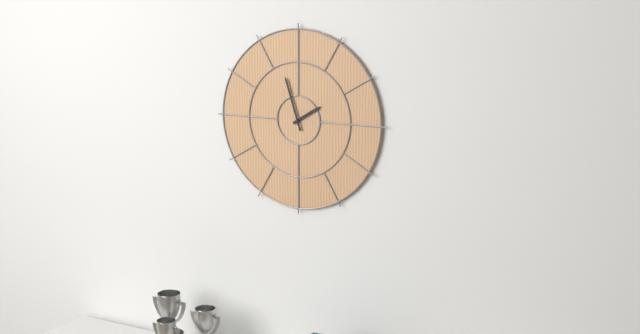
{"hour": 1, "minute": 57}
